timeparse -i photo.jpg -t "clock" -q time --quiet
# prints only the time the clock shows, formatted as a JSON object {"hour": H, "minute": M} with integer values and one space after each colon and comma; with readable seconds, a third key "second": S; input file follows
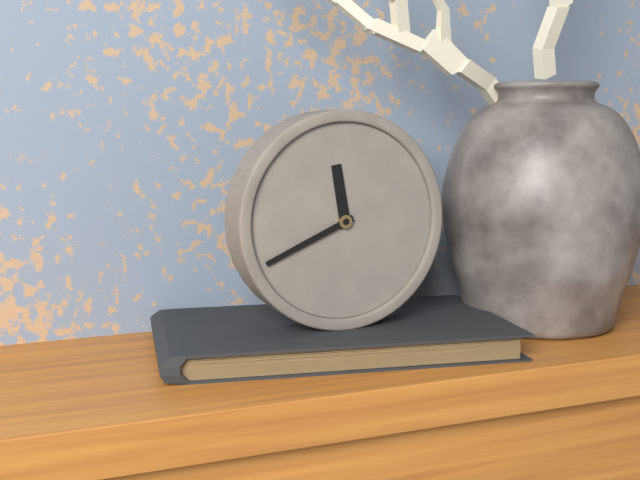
{"hour": 11, "minute": 41}
